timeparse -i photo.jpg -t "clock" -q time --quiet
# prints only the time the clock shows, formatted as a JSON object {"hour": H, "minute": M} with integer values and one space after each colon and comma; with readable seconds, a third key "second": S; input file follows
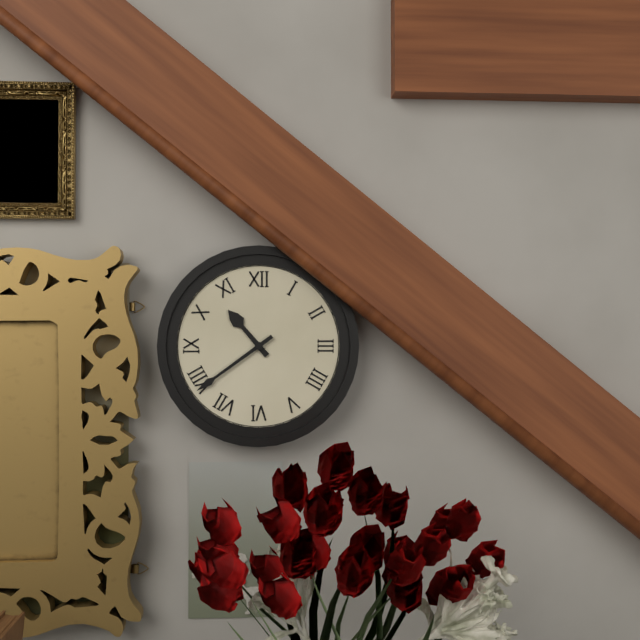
{"hour": 10, "minute": 39}
